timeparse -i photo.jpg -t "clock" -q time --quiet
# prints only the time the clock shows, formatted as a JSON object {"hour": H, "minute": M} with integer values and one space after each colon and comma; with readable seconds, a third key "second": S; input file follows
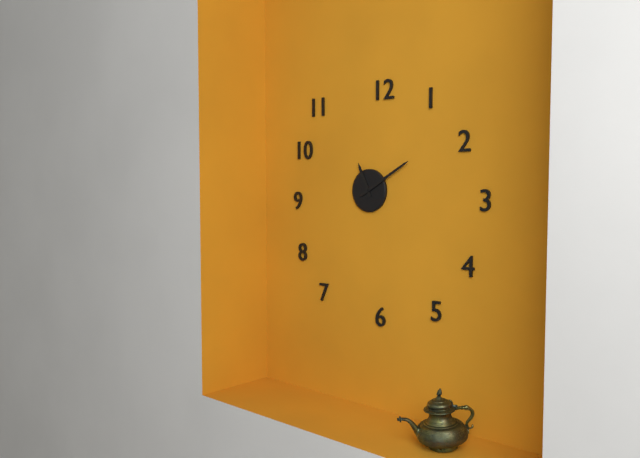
{"hour": 11, "minute": 10}
